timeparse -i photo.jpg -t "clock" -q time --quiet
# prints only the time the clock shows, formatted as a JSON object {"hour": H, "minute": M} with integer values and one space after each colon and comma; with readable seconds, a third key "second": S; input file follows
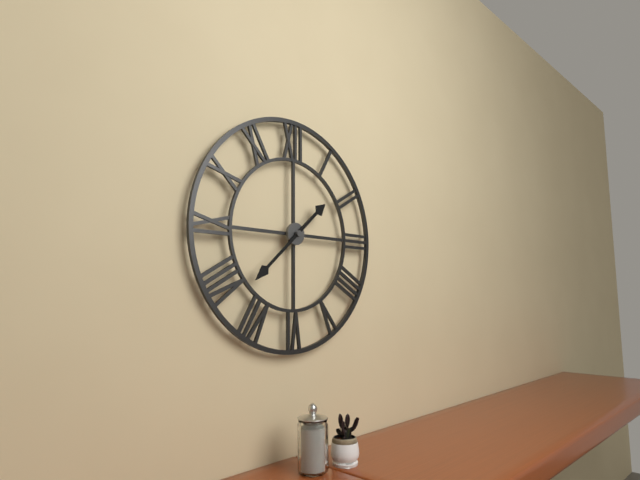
{"hour": 1, "minute": 38}
